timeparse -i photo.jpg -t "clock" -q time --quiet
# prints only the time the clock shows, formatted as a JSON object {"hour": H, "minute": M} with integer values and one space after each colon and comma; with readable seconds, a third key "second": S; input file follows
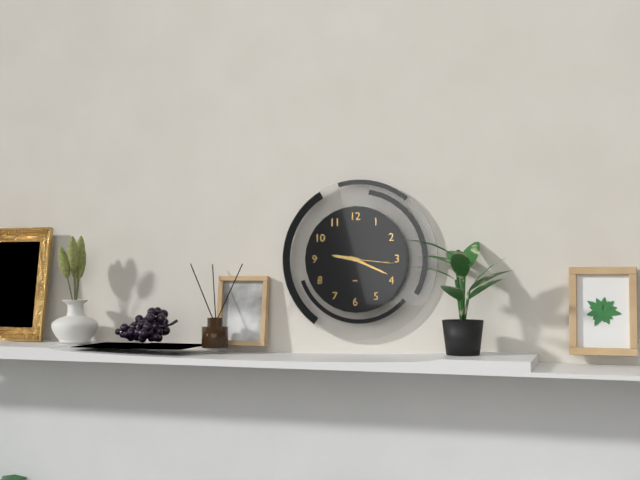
{"hour": 9, "minute": 19}
